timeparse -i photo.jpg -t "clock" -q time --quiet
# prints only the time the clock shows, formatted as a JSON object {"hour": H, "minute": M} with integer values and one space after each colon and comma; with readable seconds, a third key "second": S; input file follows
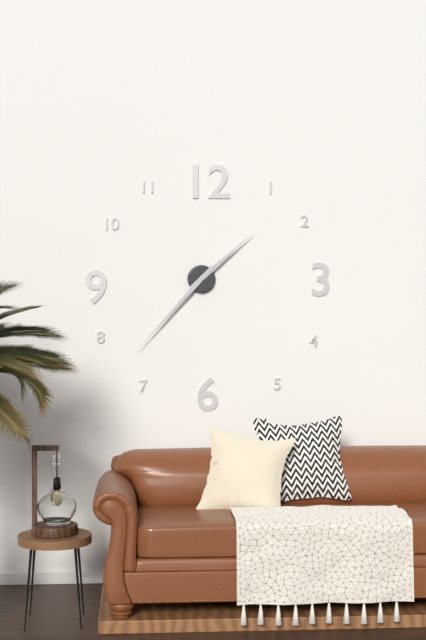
{"hour": 1, "minute": 37}
